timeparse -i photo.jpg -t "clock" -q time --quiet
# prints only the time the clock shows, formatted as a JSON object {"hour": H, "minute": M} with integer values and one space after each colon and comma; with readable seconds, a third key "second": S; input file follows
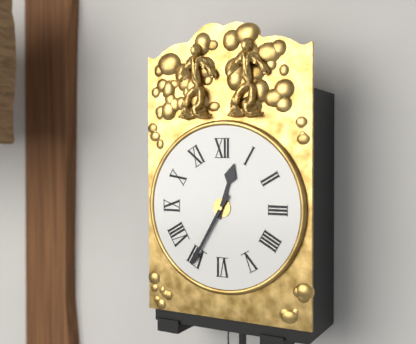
{"hour": 12, "minute": 35}
